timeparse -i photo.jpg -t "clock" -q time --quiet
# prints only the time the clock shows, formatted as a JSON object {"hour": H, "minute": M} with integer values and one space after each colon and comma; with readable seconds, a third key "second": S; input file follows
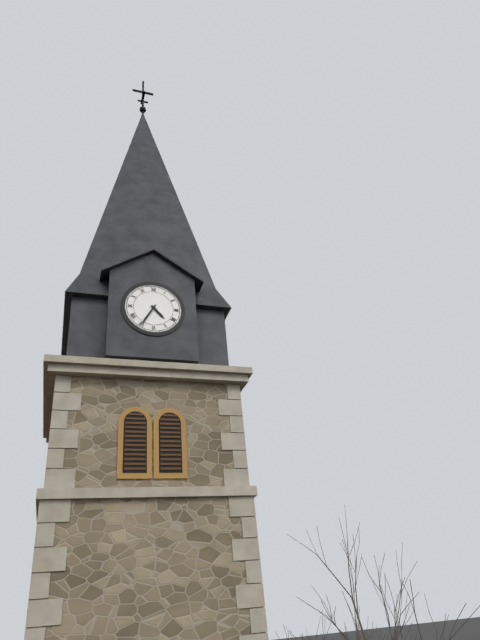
{"hour": 4, "minute": 35}
